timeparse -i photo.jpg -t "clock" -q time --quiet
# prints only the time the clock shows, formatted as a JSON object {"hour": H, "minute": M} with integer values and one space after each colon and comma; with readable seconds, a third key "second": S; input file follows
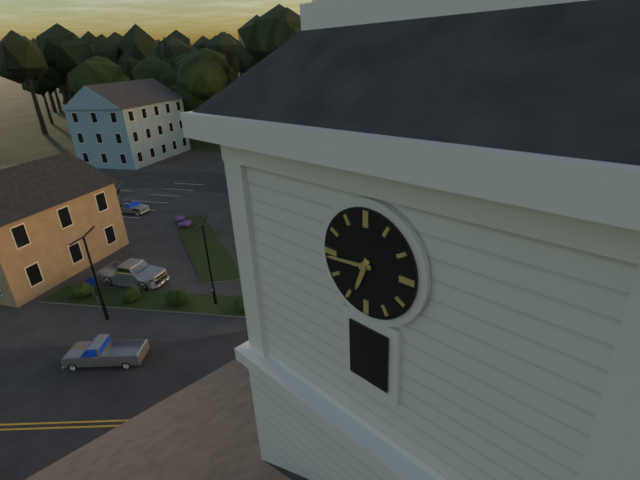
{"hour": 6, "minute": 44}
